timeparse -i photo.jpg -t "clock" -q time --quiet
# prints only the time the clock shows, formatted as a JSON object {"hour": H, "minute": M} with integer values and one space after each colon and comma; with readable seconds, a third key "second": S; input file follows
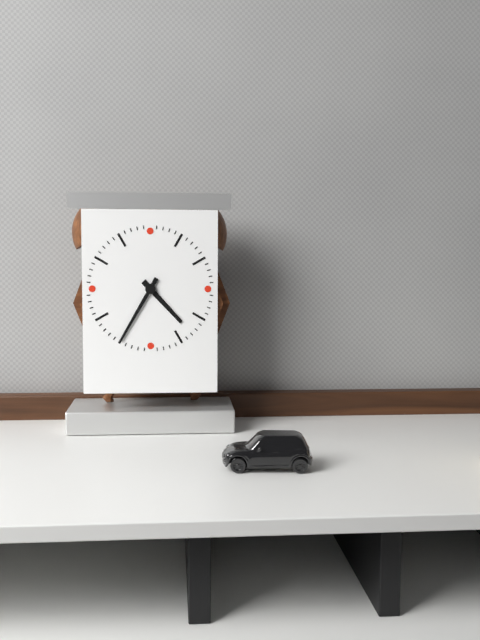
{"hour": 4, "minute": 35}
